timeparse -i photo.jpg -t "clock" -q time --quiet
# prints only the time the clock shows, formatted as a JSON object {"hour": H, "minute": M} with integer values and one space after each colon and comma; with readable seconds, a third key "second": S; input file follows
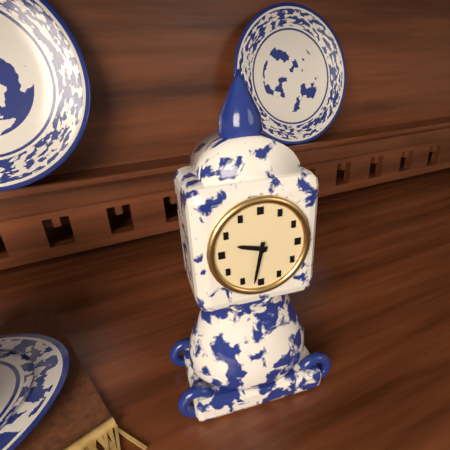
{"hour": 9, "minute": 32}
